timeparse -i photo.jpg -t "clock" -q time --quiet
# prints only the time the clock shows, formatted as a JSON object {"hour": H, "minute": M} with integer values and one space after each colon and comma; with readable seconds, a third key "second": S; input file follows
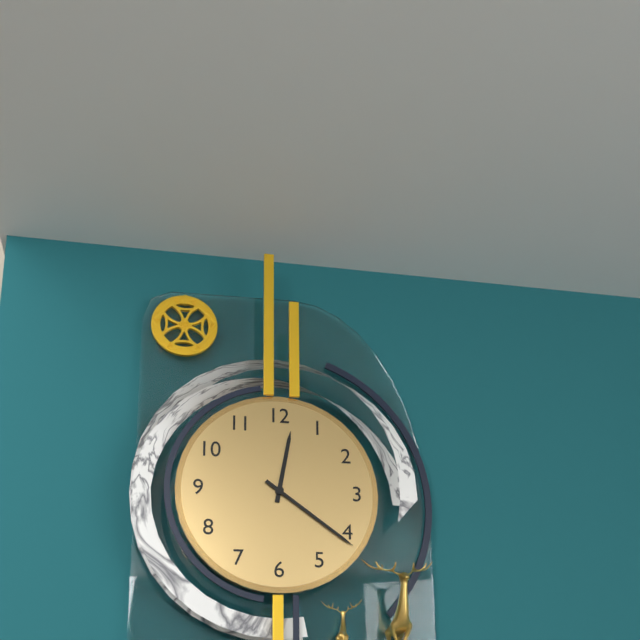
{"hour": 12, "minute": 21}
